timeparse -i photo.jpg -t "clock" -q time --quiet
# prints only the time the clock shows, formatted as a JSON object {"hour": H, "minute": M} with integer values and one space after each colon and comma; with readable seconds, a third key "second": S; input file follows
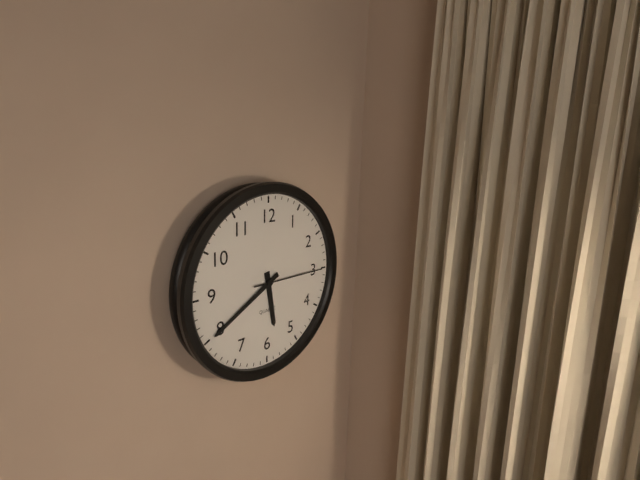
{"hour": 5, "minute": 40, "second": 15}
